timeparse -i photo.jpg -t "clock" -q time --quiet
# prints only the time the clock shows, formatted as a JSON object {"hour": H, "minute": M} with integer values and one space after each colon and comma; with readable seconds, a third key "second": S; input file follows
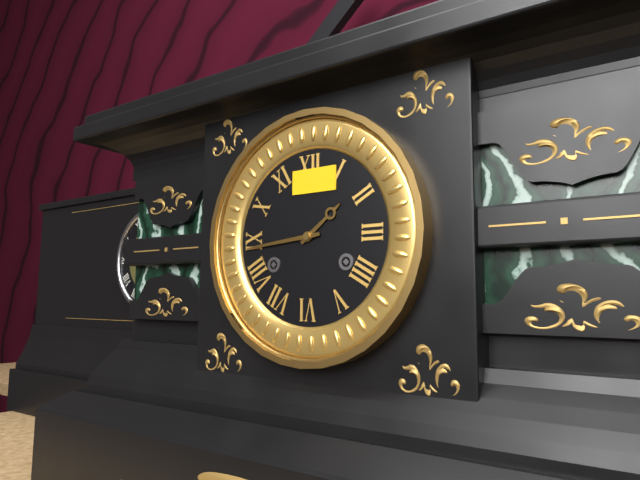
{"hour": 1, "minute": 44}
